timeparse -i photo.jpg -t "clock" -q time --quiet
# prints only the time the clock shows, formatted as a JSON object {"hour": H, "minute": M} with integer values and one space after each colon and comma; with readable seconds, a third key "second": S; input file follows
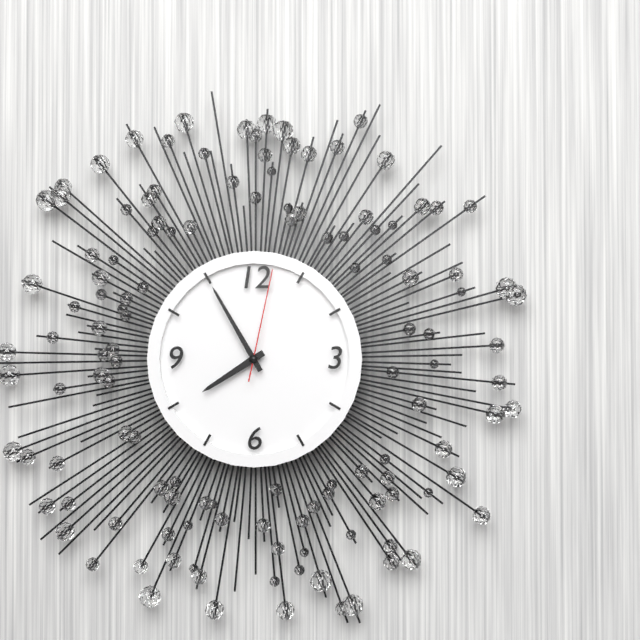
{"hour": 7, "minute": 55, "second": 2}
